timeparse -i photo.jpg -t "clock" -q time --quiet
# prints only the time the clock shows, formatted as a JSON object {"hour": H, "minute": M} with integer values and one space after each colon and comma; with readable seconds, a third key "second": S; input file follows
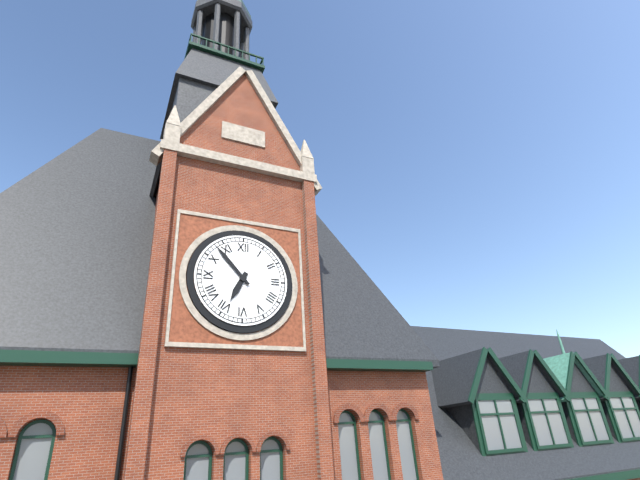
{"hour": 6, "minute": 53}
